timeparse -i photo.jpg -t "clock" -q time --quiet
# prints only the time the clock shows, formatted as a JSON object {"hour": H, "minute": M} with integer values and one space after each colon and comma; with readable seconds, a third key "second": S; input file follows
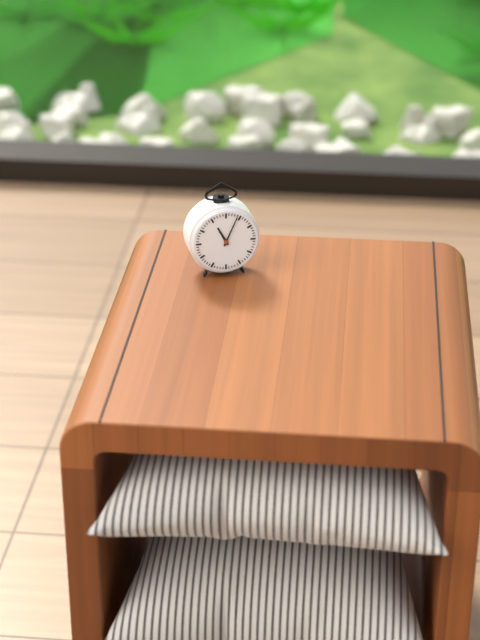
{"hour": 11, "minute": 4}
